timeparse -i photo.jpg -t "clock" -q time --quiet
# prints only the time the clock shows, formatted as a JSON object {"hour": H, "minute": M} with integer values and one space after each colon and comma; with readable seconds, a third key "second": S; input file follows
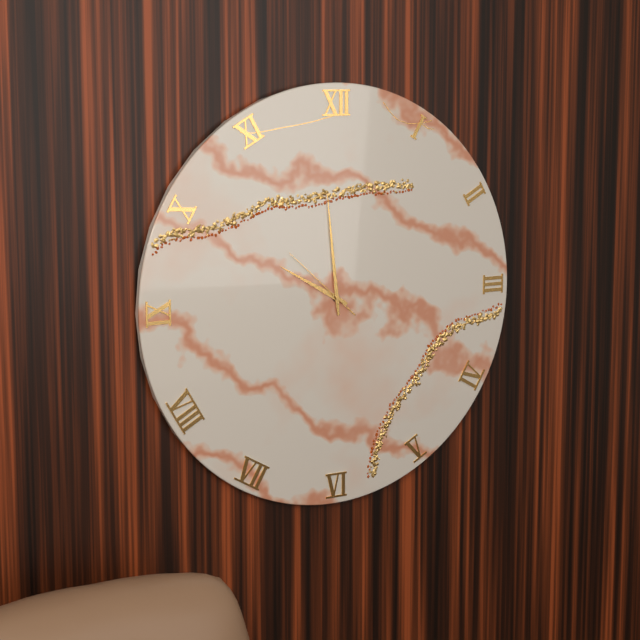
{"hour": 9, "minute": 59, "second": 52}
